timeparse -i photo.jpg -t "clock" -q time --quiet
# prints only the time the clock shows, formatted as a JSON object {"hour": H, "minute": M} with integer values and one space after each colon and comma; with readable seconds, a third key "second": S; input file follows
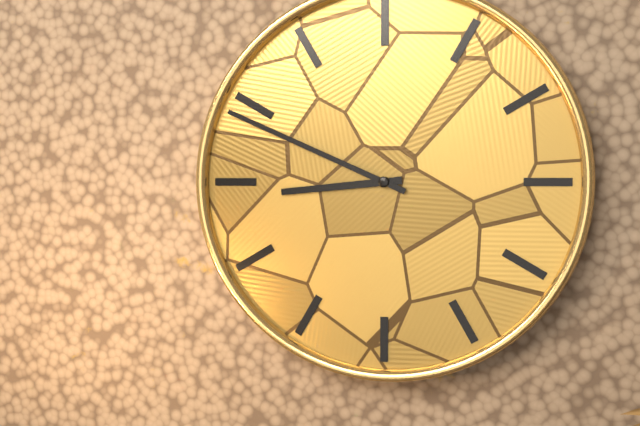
{"hour": 8, "minute": 49}
